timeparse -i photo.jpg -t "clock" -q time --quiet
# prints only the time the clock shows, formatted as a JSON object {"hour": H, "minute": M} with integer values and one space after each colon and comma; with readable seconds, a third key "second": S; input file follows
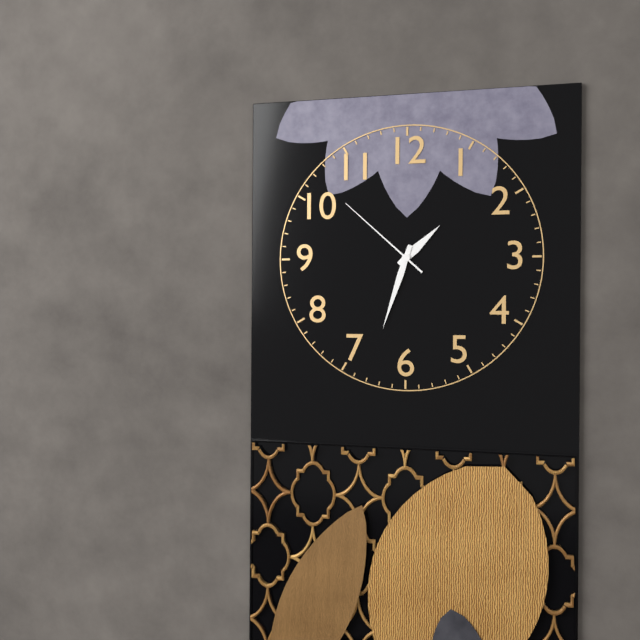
{"hour": 1, "minute": 33, "second": 52}
